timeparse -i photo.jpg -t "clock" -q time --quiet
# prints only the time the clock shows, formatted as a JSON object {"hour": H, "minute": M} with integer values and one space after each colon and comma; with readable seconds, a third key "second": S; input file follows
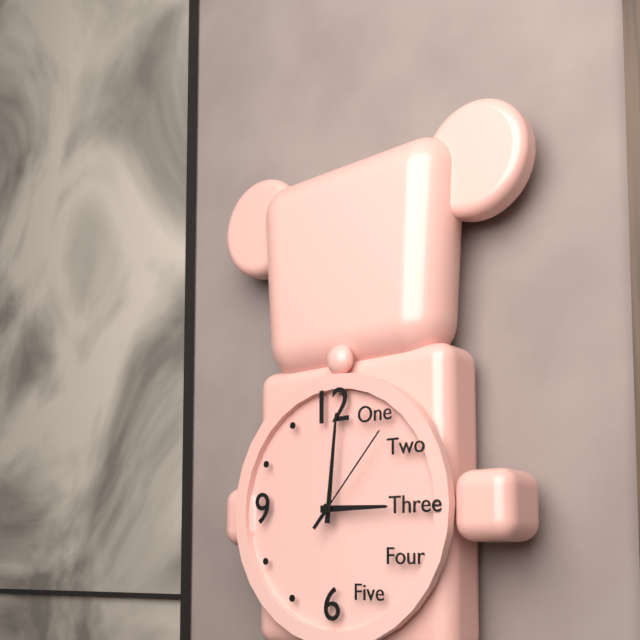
{"hour": 3, "minute": 1, "second": 7}
